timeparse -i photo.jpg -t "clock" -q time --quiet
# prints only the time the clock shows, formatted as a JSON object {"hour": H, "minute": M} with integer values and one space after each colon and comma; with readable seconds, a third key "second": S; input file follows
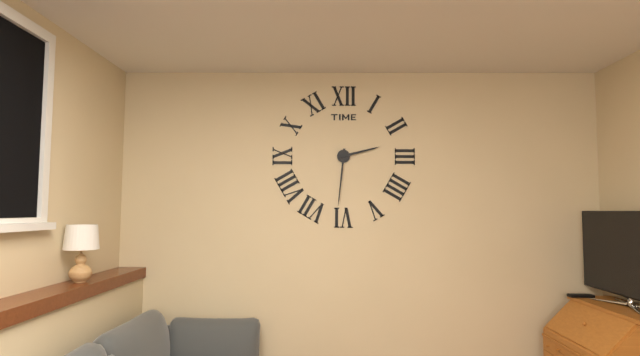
{"hour": 2, "minute": 31}
